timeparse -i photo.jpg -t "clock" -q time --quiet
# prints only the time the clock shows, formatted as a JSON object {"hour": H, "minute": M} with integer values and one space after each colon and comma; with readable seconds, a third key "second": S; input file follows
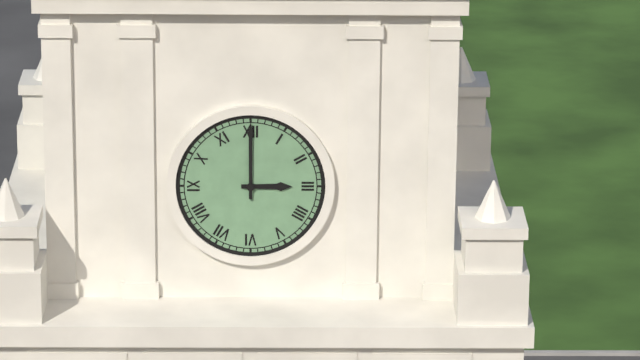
{"hour": 3, "minute": 0}
